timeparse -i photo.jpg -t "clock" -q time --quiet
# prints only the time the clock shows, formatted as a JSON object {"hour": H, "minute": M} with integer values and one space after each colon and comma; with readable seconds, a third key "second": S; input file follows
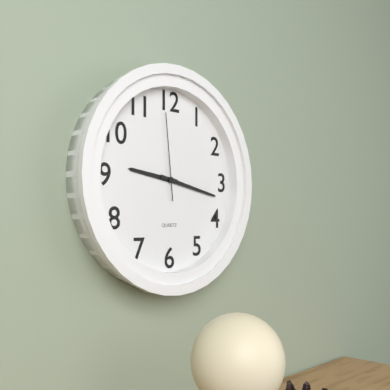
{"hour": 9, "minute": 17, "second": 59}
